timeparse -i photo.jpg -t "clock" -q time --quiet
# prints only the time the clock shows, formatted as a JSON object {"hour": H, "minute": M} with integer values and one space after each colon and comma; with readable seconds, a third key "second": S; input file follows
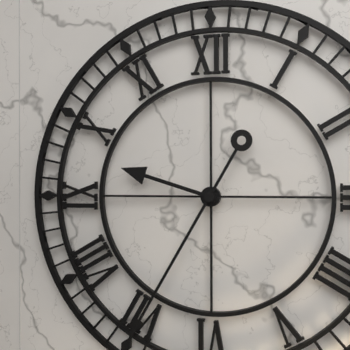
{"hour": 9, "minute": 35}
